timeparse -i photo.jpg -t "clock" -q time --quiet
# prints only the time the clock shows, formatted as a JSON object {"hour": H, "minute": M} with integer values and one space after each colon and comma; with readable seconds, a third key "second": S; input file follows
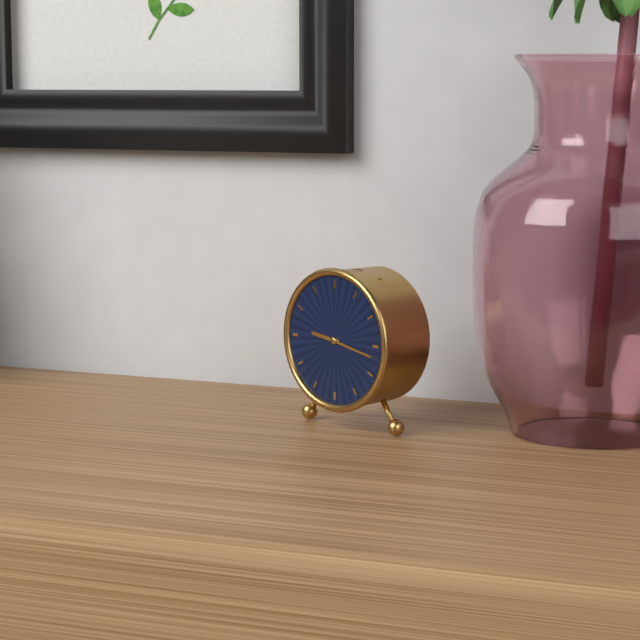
{"hour": 9, "minute": 17}
